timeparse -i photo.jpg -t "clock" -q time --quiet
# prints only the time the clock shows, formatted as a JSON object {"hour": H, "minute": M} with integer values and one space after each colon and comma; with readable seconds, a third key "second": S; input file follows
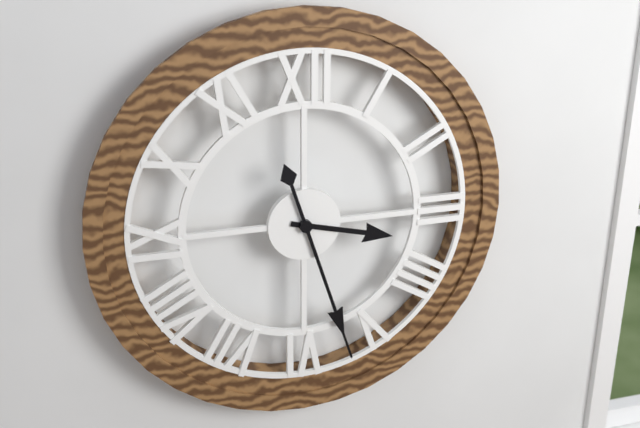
{"hour": 3, "minute": 27}
